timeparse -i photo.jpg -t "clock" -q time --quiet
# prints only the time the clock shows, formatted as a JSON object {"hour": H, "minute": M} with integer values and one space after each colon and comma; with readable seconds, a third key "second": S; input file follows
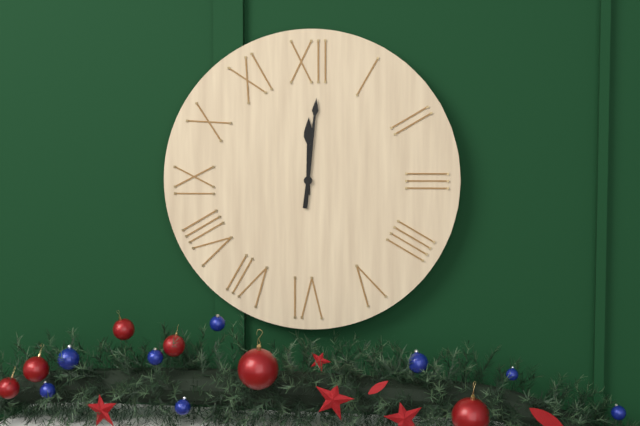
{"hour": 12, "minute": 1}
